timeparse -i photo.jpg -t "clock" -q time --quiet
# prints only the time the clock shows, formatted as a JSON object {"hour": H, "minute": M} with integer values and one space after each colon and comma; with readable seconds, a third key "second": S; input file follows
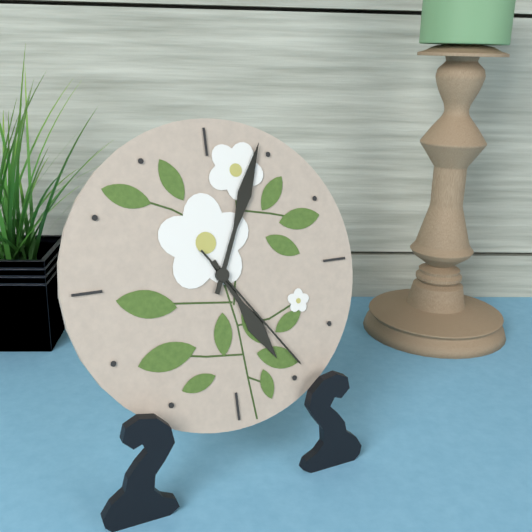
{"hour": 5, "minute": 4, "second": 24}
